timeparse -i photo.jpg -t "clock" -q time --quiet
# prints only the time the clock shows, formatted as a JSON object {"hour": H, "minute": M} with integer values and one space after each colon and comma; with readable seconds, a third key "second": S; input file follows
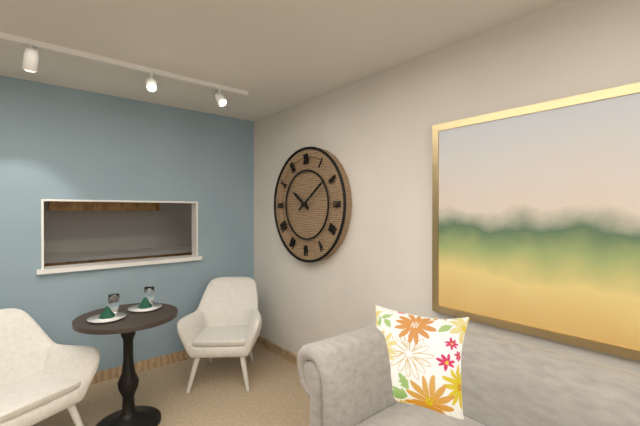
{"hour": 10, "minute": 9}
